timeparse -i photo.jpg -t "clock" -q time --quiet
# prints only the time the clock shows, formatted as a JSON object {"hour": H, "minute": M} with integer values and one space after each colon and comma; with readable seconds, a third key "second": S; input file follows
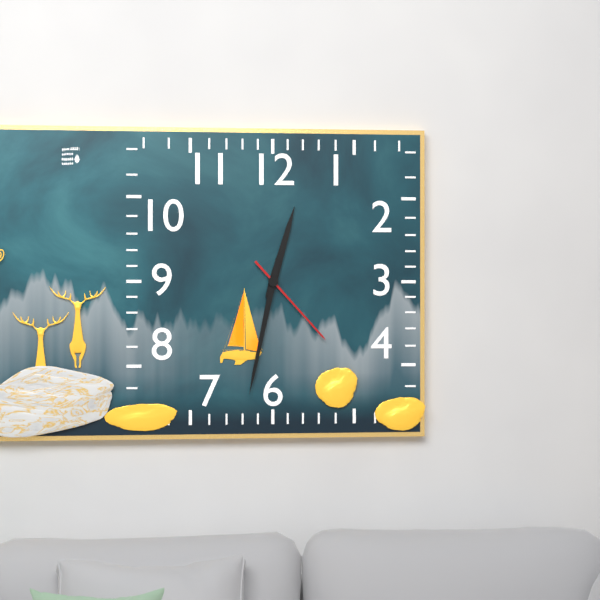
{"hour": 12, "minute": 32, "second": 23}
